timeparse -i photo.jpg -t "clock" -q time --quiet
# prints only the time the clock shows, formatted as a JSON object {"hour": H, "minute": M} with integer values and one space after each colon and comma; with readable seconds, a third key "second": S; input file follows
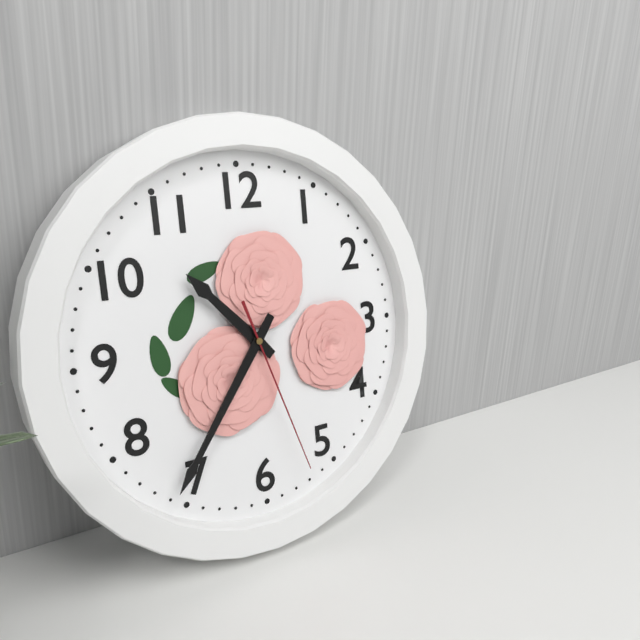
{"hour": 10, "minute": 36, "second": 27}
